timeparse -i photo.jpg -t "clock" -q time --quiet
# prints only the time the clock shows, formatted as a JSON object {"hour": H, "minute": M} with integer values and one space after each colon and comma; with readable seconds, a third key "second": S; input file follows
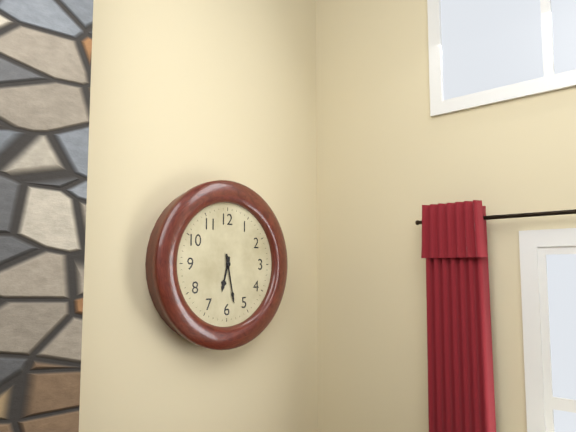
{"hour": 6, "minute": 28}
